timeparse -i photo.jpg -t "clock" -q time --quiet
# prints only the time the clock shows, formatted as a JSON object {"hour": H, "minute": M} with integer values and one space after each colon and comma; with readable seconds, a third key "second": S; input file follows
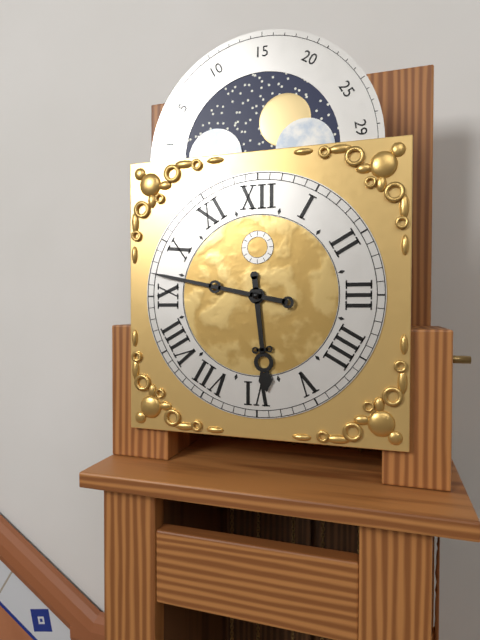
{"hour": 5, "minute": 47}
